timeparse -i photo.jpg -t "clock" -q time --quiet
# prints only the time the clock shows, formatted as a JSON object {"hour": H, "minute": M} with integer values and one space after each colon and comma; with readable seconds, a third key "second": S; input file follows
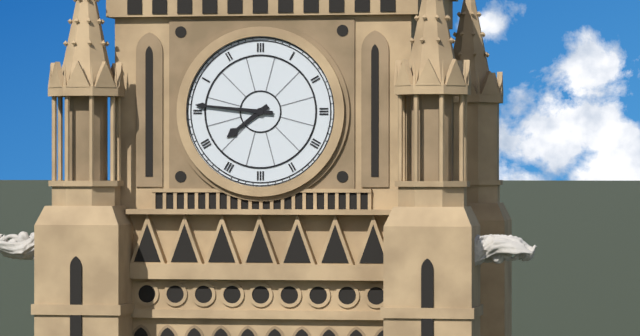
{"hour": 7, "minute": 46}
